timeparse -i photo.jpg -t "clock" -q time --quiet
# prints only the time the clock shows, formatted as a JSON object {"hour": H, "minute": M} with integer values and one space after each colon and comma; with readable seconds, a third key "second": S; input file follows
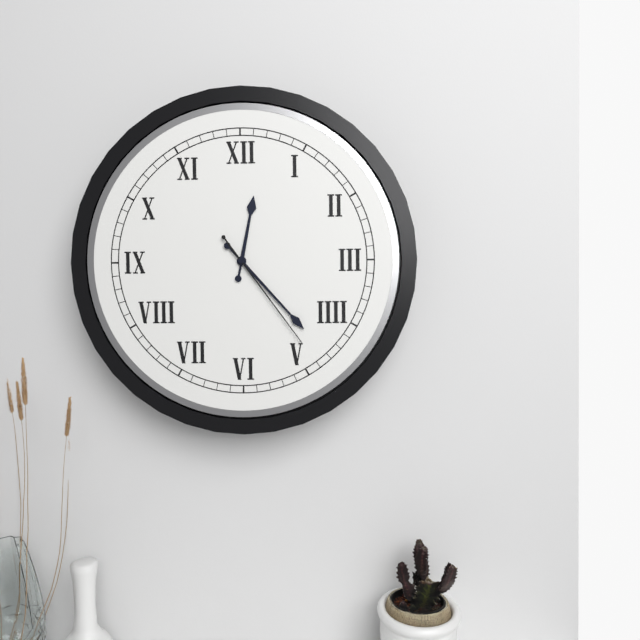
{"hour": 12, "minute": 23, "second": 24}
